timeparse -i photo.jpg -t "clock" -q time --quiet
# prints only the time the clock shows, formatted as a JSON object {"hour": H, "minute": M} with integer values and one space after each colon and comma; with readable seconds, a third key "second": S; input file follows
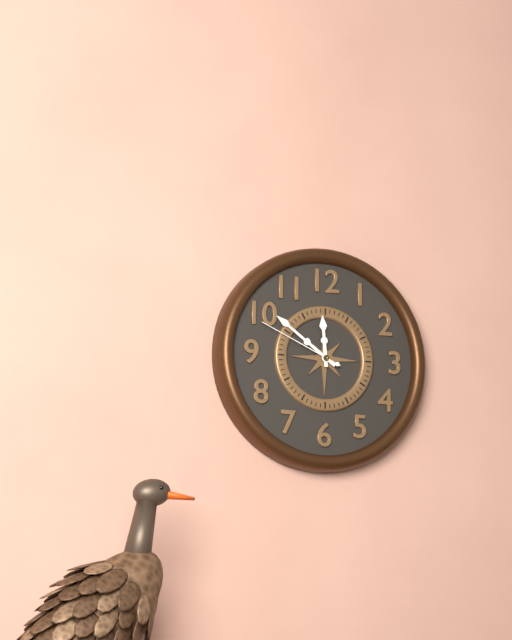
{"hour": 11, "minute": 51, "second": 49}
